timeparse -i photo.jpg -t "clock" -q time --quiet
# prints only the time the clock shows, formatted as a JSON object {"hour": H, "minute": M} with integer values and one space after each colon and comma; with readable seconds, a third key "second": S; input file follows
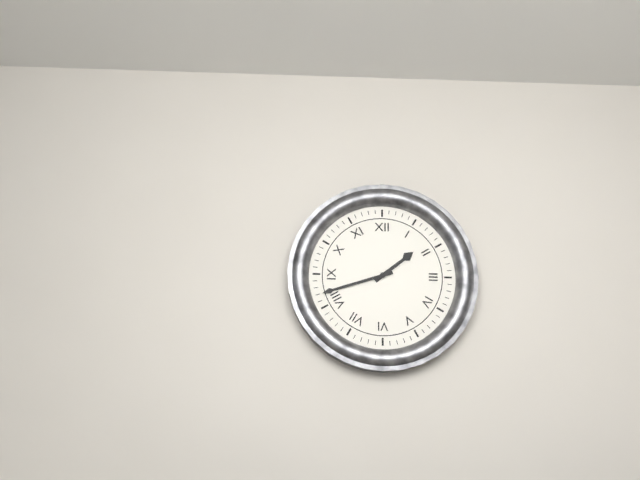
{"hour": 1, "minute": 42}
